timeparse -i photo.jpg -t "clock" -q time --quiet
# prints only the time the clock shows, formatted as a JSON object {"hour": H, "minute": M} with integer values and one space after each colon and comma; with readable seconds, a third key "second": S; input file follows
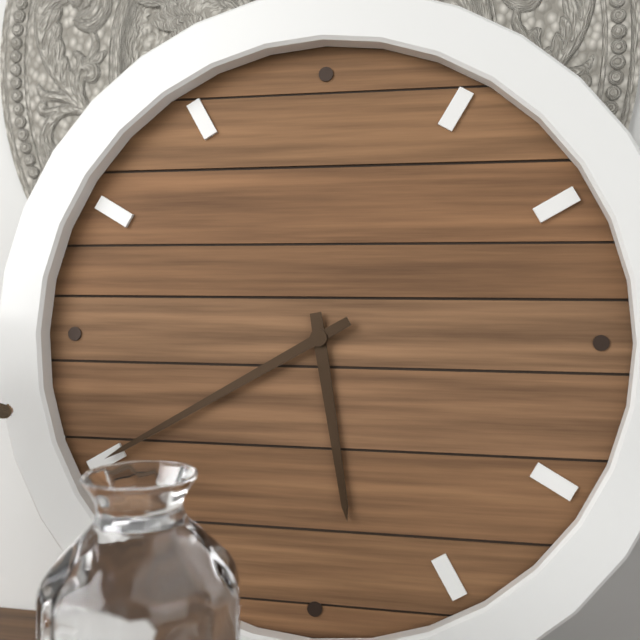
{"hour": 5, "minute": 40}
